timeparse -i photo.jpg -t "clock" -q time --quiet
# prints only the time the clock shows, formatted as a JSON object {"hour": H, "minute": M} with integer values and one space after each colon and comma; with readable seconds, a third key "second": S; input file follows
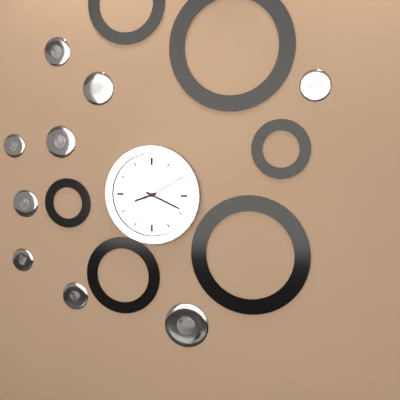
{"hour": 8, "minute": 19}
